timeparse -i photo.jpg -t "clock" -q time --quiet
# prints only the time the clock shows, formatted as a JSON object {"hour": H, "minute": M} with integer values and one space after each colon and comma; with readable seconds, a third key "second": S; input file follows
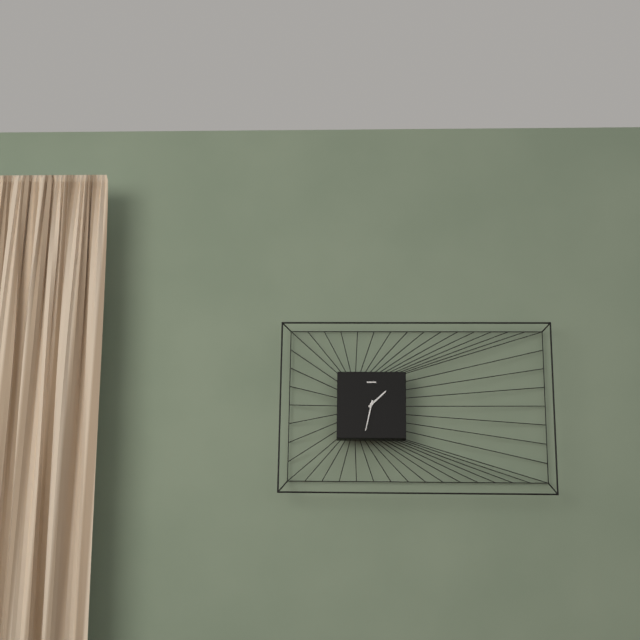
{"hour": 1, "minute": 32}
